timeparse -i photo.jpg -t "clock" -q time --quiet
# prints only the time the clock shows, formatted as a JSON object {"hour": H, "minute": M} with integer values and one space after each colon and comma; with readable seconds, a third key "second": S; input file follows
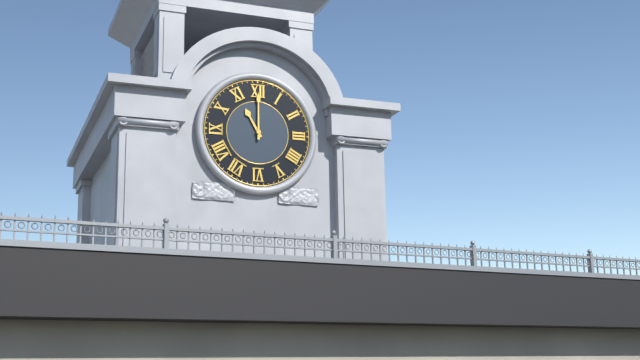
{"hour": 11, "minute": 0}
